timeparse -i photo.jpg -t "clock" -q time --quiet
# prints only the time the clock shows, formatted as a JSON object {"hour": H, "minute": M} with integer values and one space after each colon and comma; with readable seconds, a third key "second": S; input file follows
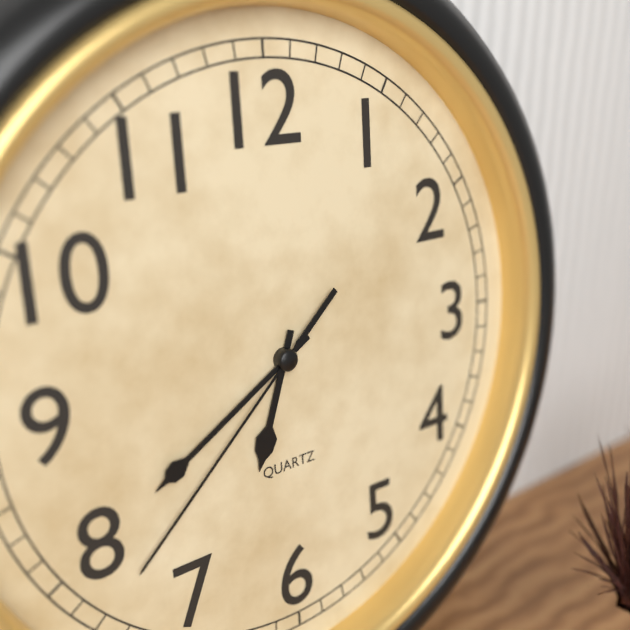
{"hour": 6, "minute": 40, "second": 38}
